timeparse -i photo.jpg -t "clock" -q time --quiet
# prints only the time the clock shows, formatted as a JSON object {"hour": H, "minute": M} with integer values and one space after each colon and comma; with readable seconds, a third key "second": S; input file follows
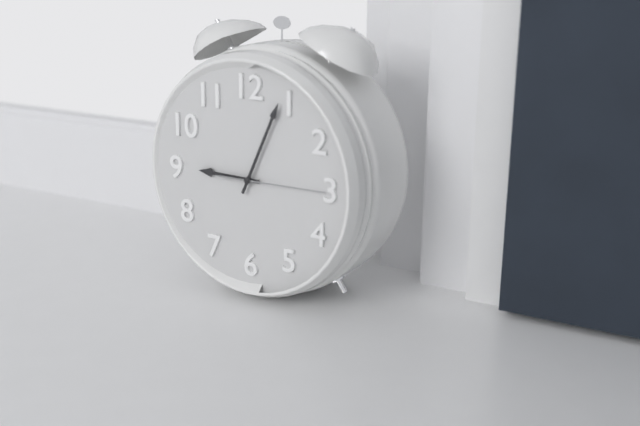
{"hour": 9, "minute": 4, "second": 15}
